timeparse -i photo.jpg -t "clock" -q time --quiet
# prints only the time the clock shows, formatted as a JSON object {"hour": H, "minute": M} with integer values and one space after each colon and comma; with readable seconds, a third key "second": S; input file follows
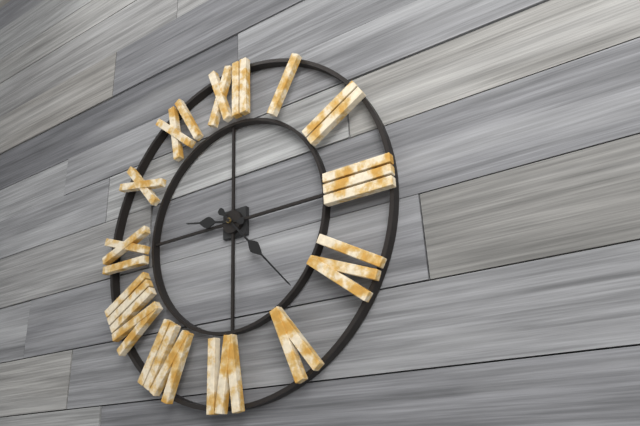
{"hour": 9, "minute": 23}
